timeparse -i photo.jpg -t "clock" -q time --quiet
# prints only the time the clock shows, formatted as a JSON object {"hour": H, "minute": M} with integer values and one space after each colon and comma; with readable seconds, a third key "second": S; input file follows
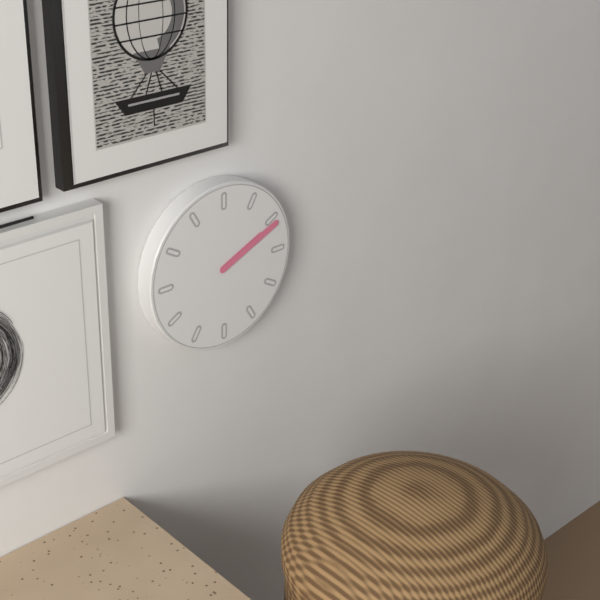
{"hour": 2, "minute": 11}
